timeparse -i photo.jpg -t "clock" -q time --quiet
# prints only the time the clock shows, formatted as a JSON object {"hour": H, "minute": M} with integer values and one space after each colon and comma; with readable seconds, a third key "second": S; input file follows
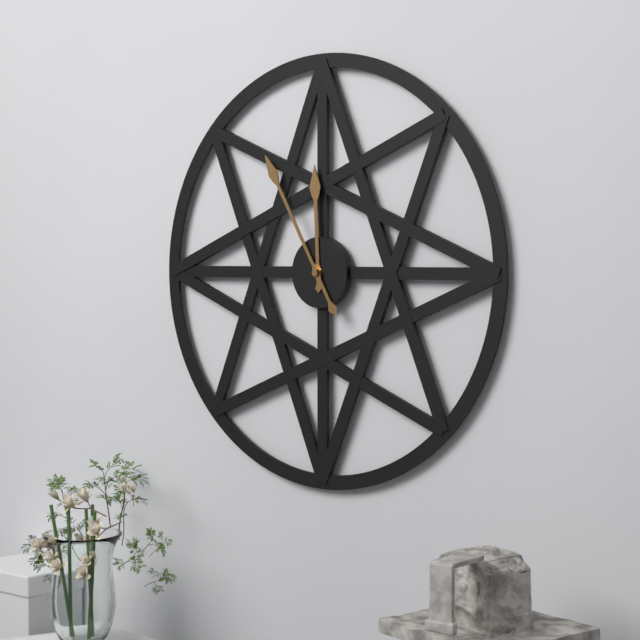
{"hour": 11, "minute": 55}
